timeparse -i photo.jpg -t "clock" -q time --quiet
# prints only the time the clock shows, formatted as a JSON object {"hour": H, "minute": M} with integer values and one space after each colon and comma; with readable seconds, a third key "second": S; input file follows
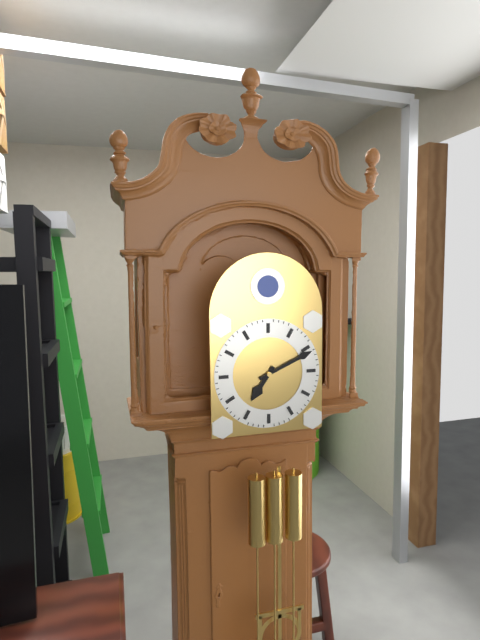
{"hour": 7, "minute": 11}
